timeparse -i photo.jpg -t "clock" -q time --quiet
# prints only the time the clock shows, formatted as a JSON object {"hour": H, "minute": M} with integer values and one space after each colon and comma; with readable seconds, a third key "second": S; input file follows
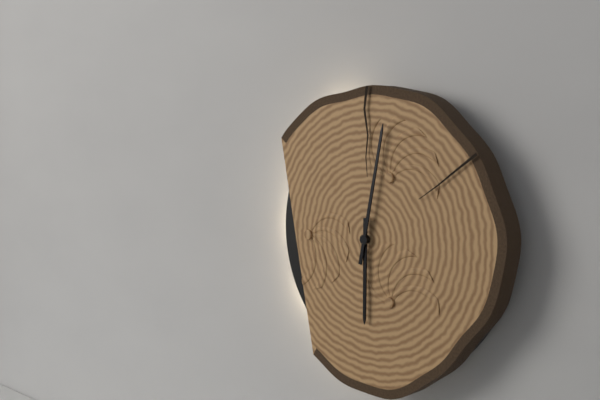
{"hour": 6, "minute": 2}
